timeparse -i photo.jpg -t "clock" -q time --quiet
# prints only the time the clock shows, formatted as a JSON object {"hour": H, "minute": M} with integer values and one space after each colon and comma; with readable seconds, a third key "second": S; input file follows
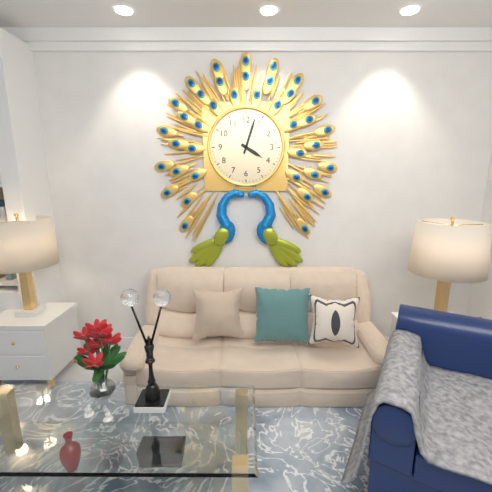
{"hour": 4, "minute": 3}
